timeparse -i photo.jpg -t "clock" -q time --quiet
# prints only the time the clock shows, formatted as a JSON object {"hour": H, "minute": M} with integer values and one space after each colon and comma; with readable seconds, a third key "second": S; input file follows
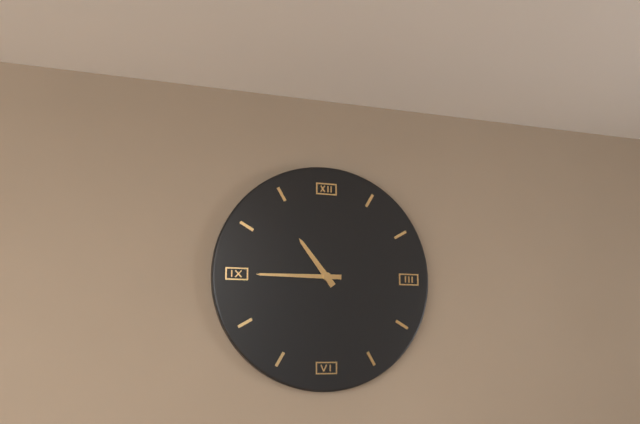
{"hour": 10, "minute": 45}
